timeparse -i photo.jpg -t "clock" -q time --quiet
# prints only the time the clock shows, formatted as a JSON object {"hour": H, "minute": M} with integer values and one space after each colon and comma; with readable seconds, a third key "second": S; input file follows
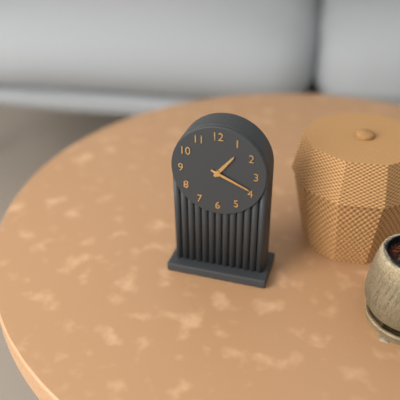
{"hour": 1, "minute": 19}
